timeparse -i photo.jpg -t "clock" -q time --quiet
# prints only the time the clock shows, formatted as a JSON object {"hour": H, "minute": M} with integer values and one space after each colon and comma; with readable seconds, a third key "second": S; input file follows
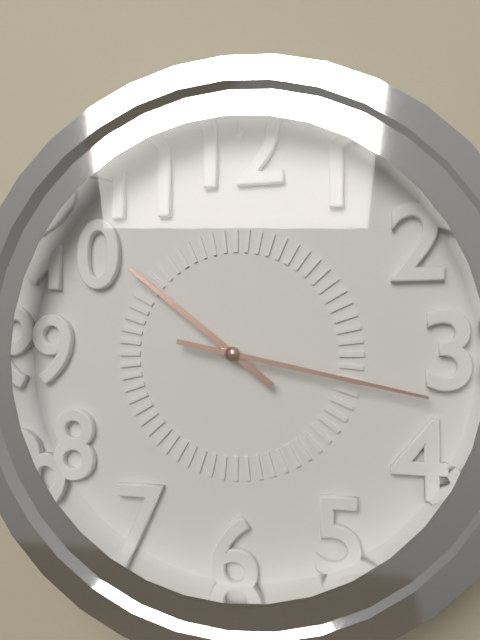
{"hour": 10, "minute": 17}
